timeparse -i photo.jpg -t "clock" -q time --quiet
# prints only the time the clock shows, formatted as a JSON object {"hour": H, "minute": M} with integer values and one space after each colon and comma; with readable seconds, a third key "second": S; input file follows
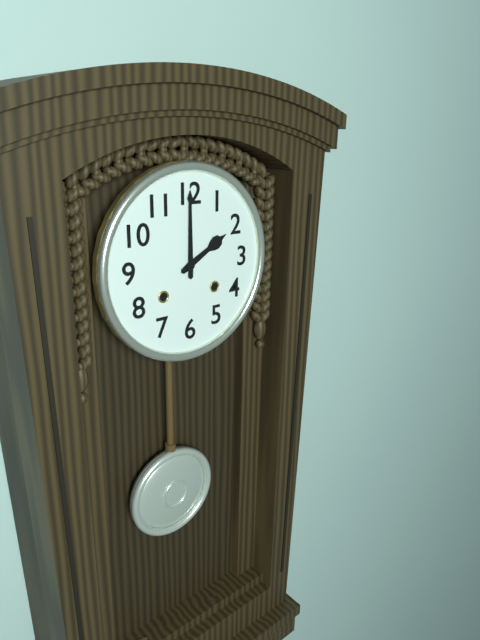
{"hour": 2, "minute": 0}
